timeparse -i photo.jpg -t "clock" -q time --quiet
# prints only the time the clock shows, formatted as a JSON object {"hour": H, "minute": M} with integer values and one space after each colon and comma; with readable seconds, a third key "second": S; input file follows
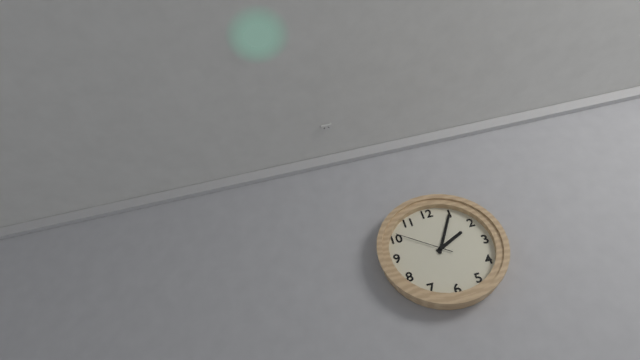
{"hour": 2, "minute": 5, "second": 51}
